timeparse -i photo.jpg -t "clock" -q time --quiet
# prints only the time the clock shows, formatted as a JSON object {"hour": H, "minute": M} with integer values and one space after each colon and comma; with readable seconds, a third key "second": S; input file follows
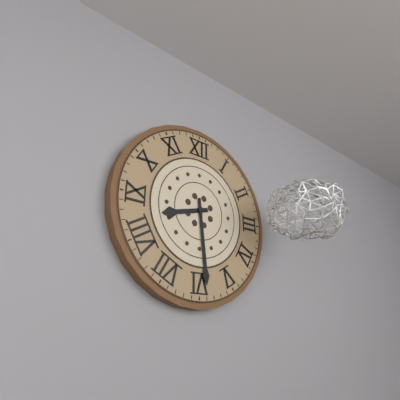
{"hour": 8, "minute": 29}
